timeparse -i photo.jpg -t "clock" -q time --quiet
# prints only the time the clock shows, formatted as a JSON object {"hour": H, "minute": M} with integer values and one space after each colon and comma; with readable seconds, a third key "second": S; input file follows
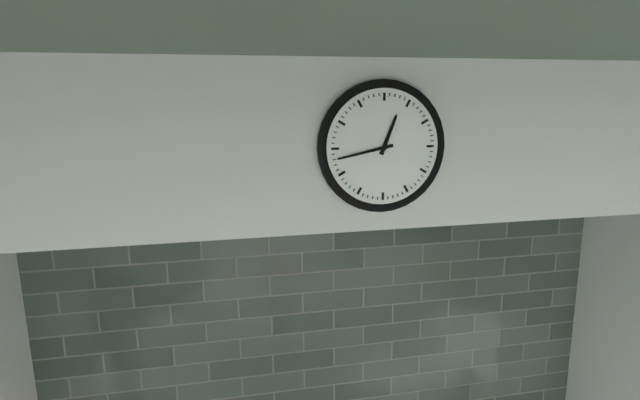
{"hour": 12, "minute": 43}
